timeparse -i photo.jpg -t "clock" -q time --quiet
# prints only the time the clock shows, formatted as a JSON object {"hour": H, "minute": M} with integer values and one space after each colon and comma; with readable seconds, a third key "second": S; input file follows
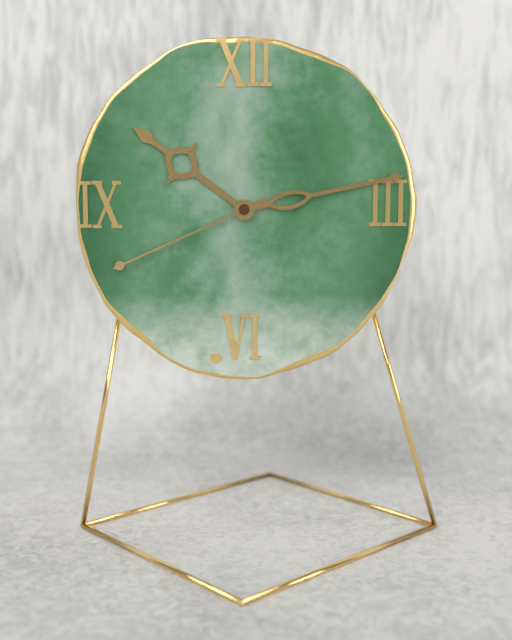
{"hour": 10, "minute": 13, "second": 41}
